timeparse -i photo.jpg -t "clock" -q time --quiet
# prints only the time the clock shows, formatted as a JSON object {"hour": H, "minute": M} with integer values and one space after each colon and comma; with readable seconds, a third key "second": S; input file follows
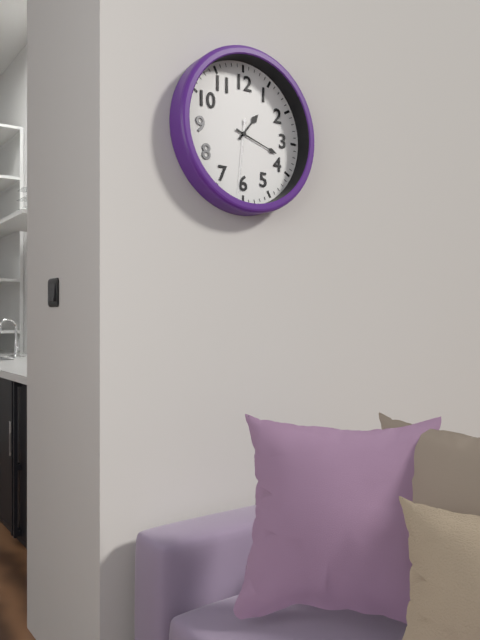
{"hour": 1, "minute": 18, "second": 31}
